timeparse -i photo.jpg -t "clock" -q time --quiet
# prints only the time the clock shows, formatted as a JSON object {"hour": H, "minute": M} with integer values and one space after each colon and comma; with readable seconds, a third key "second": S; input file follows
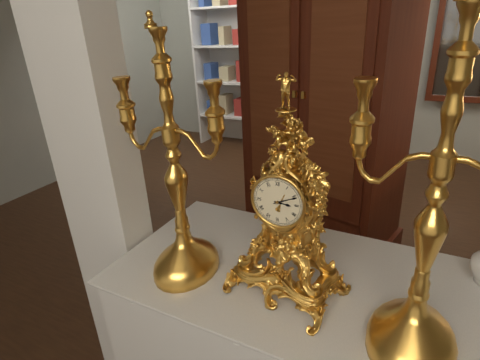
{"hour": 3, "minute": 11}
